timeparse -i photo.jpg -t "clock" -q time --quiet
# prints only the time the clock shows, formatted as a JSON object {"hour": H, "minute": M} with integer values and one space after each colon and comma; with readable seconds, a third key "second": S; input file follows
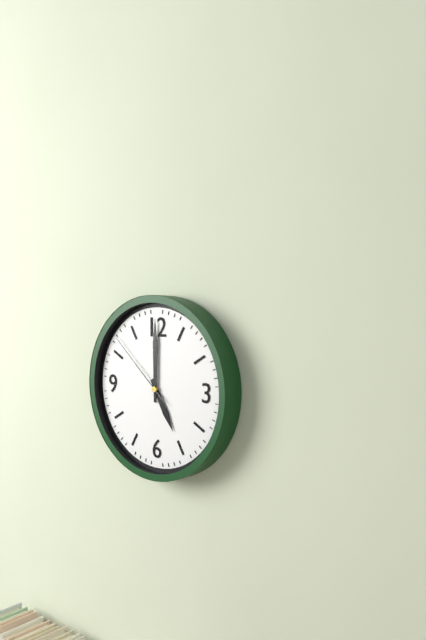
{"hour": 5, "minute": 0, "second": 52}
